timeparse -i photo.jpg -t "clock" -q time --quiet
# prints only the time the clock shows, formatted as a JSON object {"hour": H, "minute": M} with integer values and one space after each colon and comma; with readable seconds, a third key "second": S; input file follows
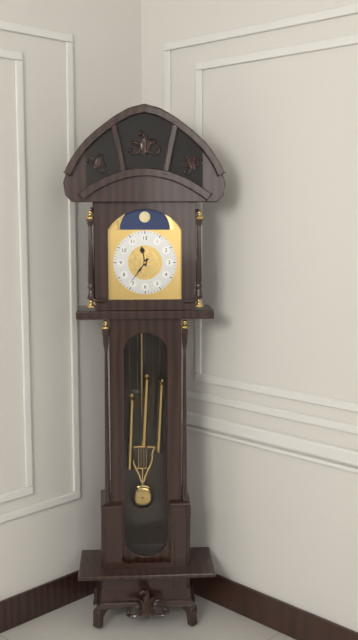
{"hour": 11, "minute": 36}
